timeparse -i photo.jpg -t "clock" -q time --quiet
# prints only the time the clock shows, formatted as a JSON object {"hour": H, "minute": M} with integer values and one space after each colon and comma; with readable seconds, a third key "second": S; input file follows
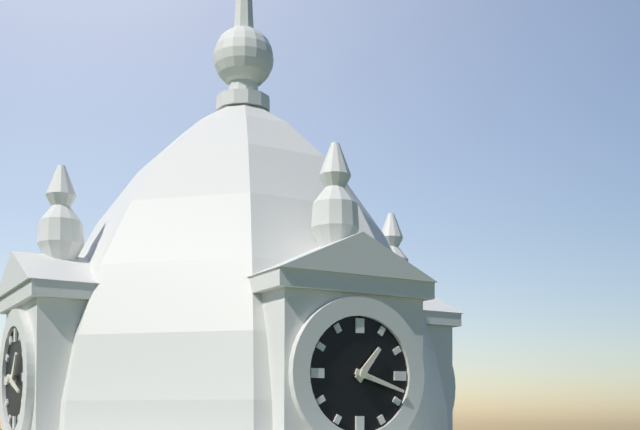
{"hour": 1, "minute": 18}
